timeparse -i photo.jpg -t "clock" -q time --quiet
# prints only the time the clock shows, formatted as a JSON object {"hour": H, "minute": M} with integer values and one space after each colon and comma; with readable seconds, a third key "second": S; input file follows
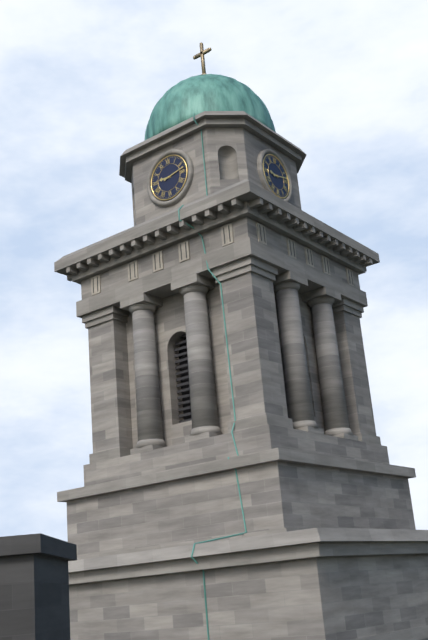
{"hour": 9, "minute": 13}
